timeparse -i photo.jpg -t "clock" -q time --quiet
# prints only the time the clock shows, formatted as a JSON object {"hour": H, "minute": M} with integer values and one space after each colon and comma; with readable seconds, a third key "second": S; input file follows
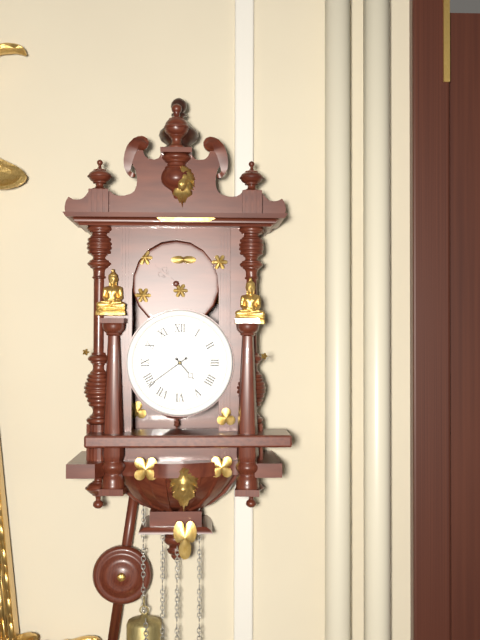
{"hour": 4, "minute": 39}
